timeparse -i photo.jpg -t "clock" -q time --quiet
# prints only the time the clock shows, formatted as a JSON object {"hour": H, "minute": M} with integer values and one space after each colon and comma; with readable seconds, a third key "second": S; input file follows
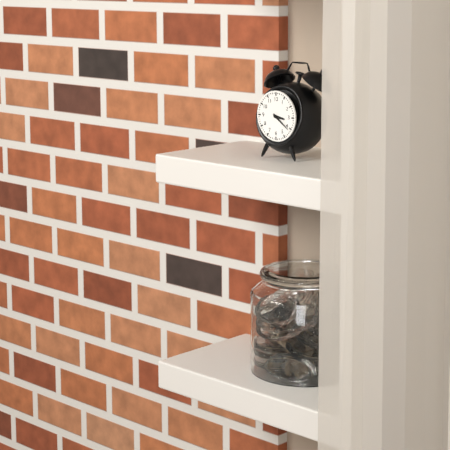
{"hour": 3, "minute": 21}
